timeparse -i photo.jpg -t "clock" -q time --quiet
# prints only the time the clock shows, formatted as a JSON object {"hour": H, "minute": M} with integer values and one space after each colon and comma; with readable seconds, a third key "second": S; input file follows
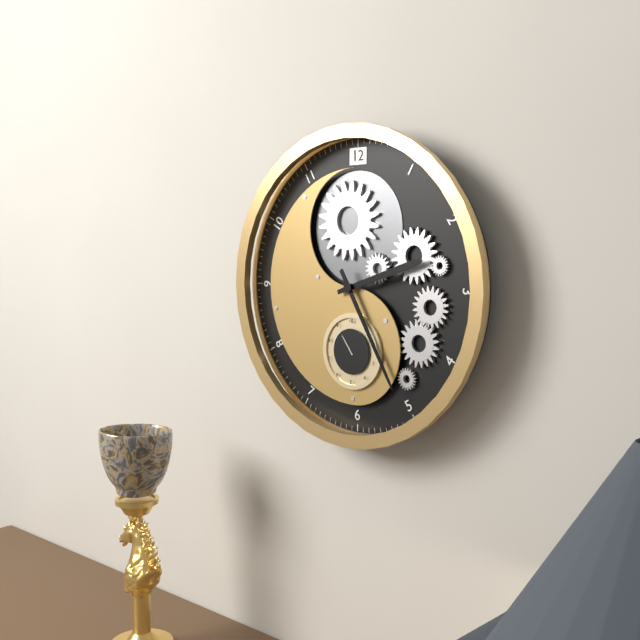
{"hour": 2, "minute": 25}
